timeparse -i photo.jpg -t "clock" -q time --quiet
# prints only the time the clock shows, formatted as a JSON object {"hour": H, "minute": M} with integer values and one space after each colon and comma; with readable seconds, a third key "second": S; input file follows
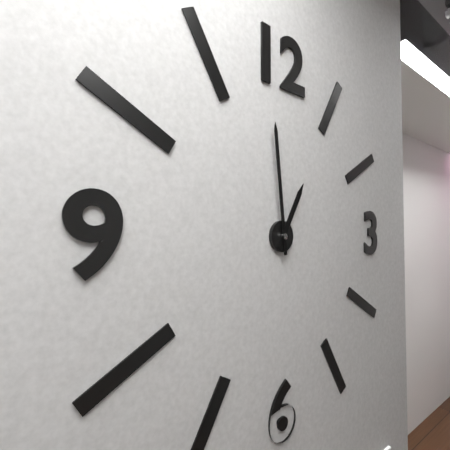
{"hour": 12, "minute": 59}
